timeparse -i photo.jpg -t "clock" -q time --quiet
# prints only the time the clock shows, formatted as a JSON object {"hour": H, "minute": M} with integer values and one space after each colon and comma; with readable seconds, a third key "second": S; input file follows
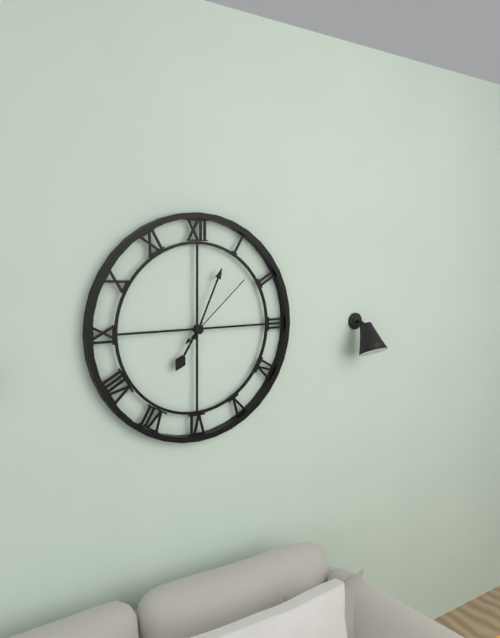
{"hour": 7, "minute": 4, "second": 8}
